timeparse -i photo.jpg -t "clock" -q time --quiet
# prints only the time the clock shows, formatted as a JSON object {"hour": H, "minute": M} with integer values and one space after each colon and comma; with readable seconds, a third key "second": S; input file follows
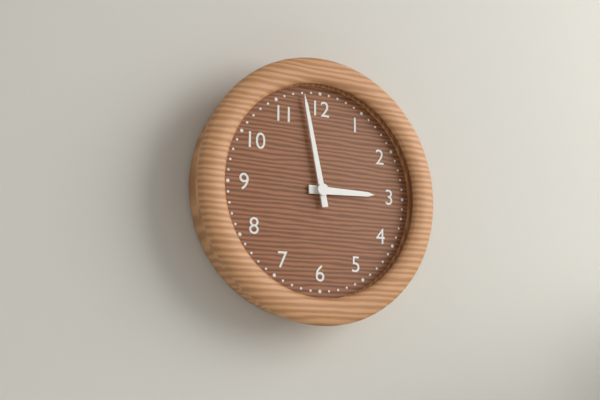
{"hour": 2, "minute": 58}
